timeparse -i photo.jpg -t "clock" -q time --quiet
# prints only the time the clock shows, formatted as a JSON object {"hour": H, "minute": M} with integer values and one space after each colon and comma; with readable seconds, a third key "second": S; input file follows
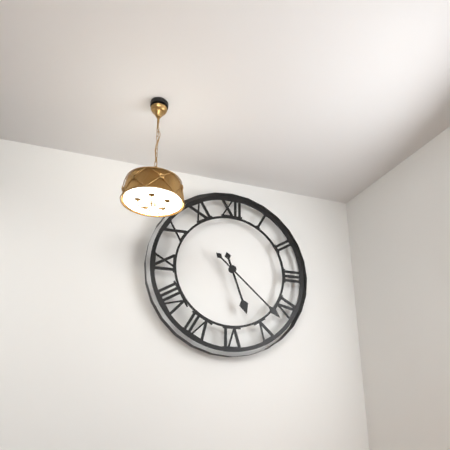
{"hour": 5, "minute": 22}
